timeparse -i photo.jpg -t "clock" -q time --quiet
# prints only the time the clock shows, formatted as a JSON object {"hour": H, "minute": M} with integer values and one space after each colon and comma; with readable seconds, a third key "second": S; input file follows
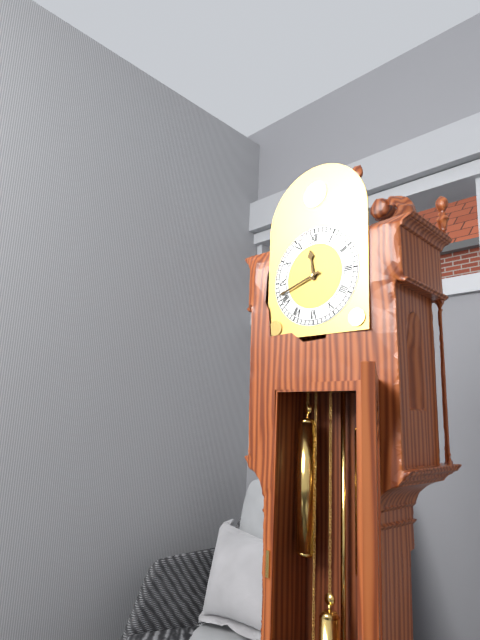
{"hour": 11, "minute": 42}
